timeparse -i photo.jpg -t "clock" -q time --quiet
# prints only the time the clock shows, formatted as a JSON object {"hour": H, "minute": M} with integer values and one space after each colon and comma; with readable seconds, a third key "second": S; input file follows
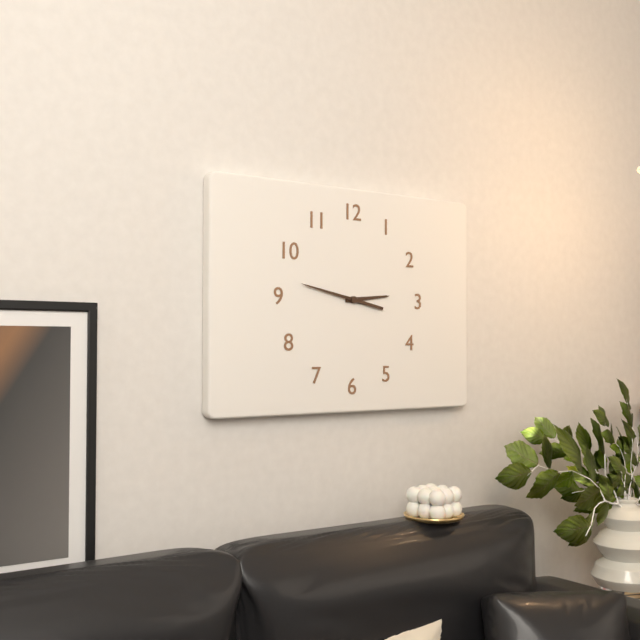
{"hour": 2, "minute": 47}
